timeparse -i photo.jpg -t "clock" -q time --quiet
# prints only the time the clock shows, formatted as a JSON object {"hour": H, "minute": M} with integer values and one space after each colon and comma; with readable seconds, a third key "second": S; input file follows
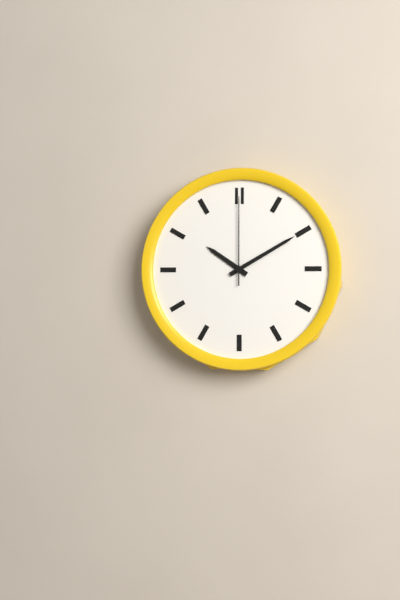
{"hour": 10, "minute": 10, "second": 0}
